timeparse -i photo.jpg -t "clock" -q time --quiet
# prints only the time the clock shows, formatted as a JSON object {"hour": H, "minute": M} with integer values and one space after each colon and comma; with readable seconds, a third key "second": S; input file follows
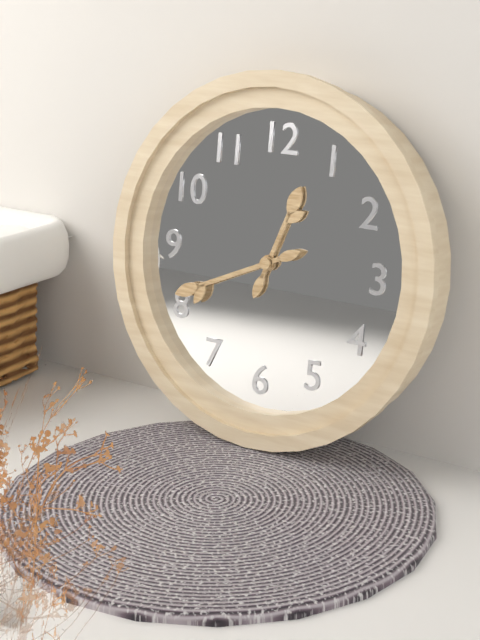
{"hour": 12, "minute": 41}
